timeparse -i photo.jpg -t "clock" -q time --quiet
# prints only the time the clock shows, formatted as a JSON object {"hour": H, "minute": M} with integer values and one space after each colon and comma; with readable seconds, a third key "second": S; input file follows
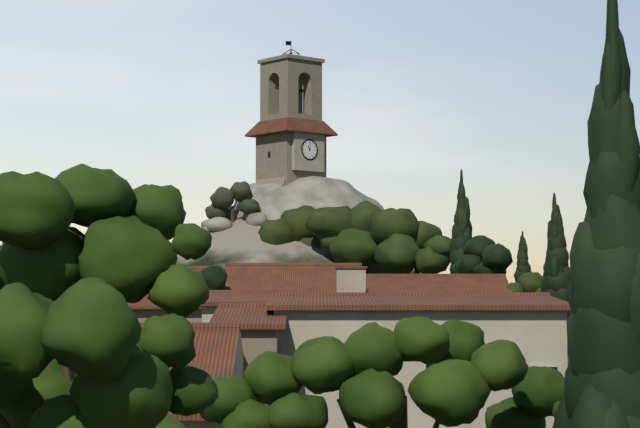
{"hour": 11, "minute": 1}
